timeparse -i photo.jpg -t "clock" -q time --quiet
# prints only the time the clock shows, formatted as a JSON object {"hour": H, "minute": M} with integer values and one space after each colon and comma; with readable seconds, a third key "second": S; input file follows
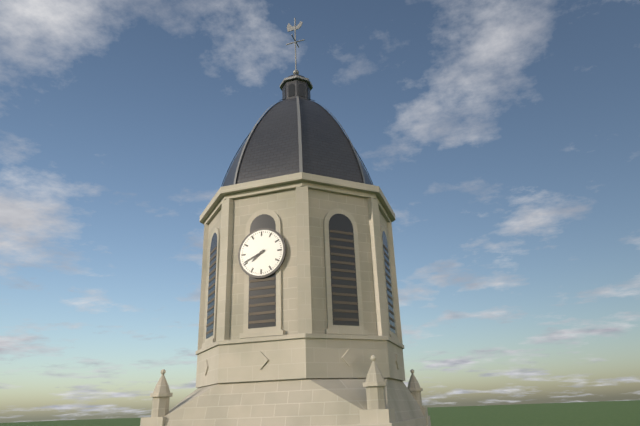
{"hour": 7, "minute": 41}
